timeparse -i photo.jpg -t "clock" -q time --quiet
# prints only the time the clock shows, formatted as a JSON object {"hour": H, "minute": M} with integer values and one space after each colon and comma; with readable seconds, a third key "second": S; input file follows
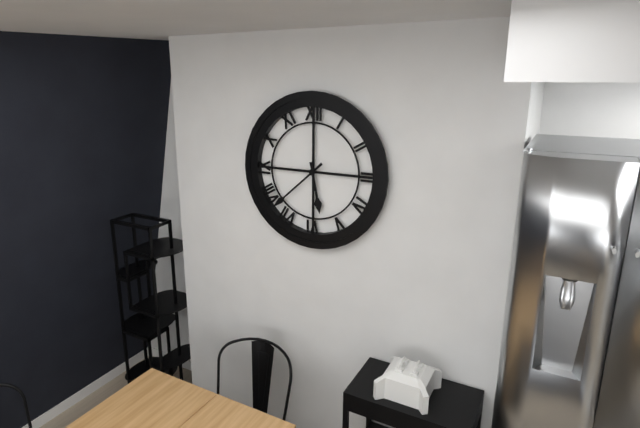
{"hour": 5, "minute": 38}
